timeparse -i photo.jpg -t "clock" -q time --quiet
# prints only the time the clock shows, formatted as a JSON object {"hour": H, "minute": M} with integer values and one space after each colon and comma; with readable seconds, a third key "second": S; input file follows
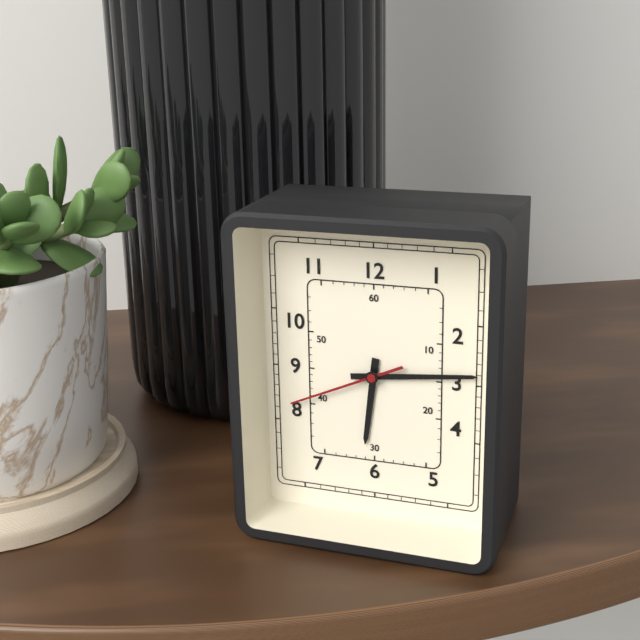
{"hour": 6, "minute": 14, "second": 41}
